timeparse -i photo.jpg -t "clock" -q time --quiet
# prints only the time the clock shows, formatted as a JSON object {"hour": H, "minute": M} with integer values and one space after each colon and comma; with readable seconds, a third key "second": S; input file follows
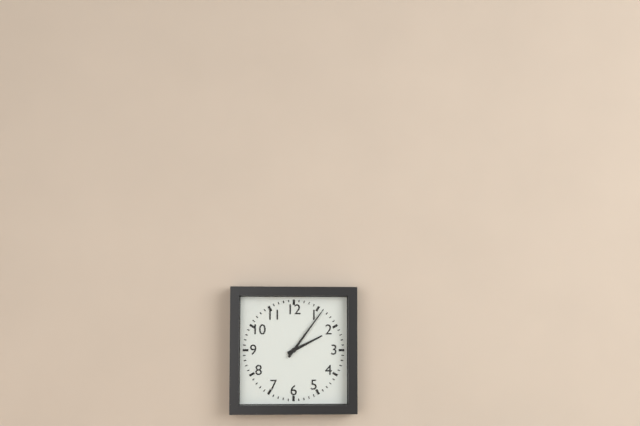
{"hour": 2, "minute": 6}
